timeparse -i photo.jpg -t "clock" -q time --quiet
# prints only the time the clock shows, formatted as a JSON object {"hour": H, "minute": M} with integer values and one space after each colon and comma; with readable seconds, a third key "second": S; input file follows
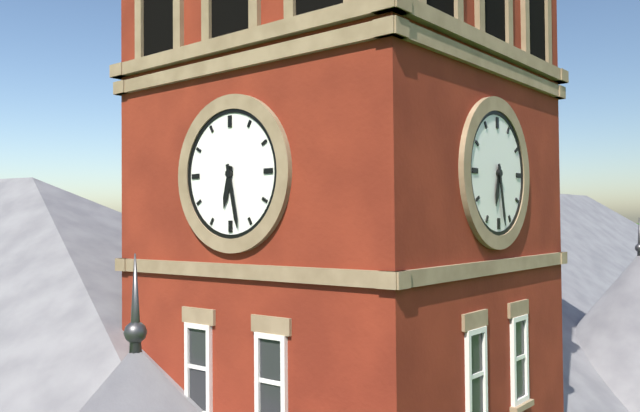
{"hour": 6, "minute": 28}
